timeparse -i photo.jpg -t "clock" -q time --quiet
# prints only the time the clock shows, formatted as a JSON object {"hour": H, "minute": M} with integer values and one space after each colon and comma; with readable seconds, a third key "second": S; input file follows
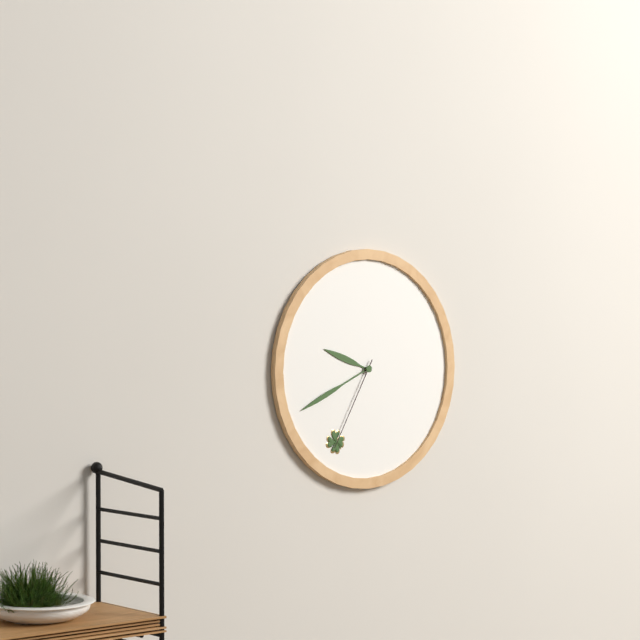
{"hour": 9, "minute": 41, "second": 35}
